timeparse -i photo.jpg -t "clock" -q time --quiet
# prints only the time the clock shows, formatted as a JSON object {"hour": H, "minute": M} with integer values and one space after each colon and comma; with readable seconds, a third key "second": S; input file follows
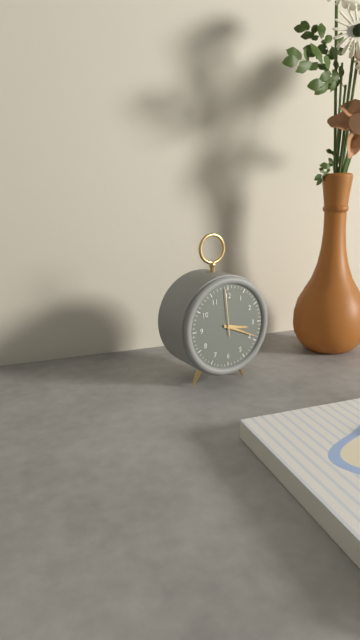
{"hour": 3, "minute": 19}
